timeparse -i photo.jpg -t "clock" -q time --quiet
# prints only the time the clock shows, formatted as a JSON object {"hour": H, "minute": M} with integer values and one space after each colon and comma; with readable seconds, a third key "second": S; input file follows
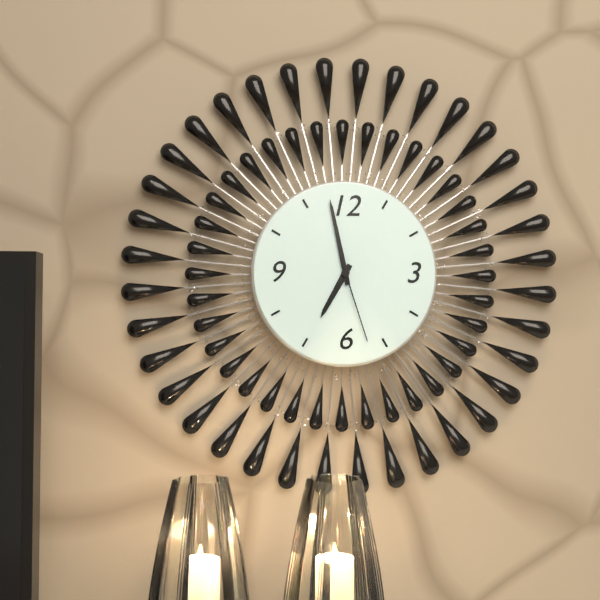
{"hour": 6, "minute": 58, "second": 27}
